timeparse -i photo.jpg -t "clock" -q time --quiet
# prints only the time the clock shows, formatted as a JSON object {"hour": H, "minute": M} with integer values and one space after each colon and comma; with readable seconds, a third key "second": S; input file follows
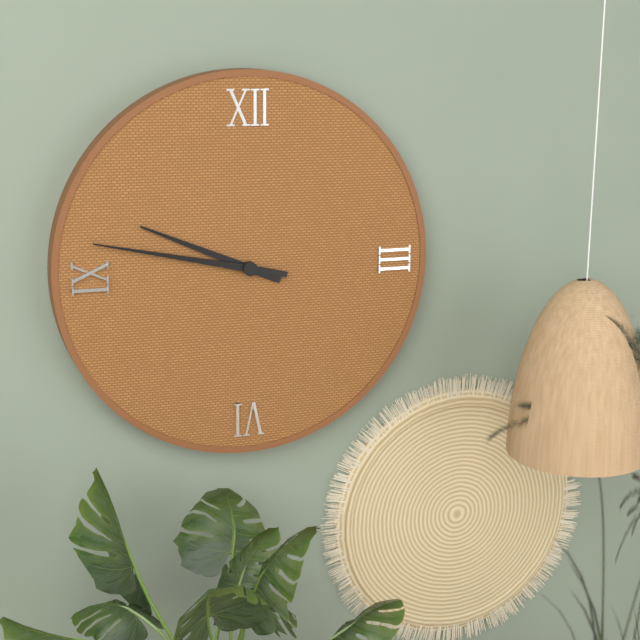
{"hour": 9, "minute": 47}
